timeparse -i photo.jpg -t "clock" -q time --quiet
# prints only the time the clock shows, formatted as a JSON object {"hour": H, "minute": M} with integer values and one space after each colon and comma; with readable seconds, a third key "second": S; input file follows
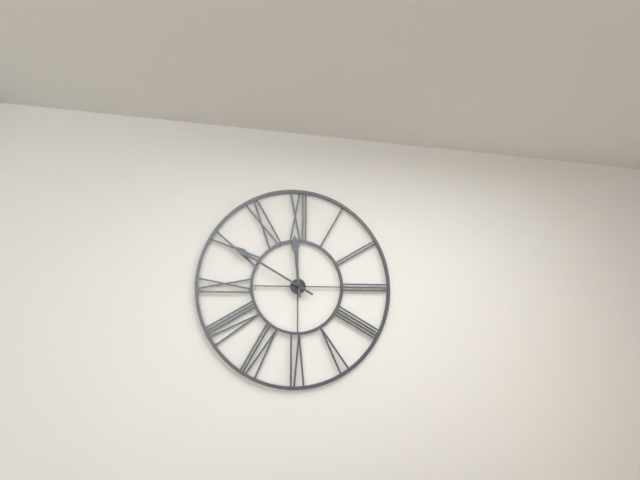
{"hour": 11, "minute": 50}
